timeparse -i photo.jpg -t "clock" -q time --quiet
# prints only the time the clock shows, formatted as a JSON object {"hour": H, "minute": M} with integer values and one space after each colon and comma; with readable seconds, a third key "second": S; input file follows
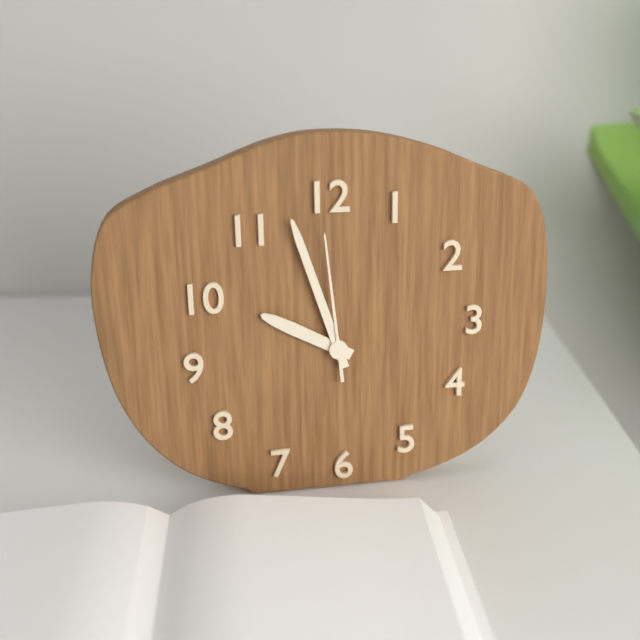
{"hour": 9, "minute": 57, "second": 59}
